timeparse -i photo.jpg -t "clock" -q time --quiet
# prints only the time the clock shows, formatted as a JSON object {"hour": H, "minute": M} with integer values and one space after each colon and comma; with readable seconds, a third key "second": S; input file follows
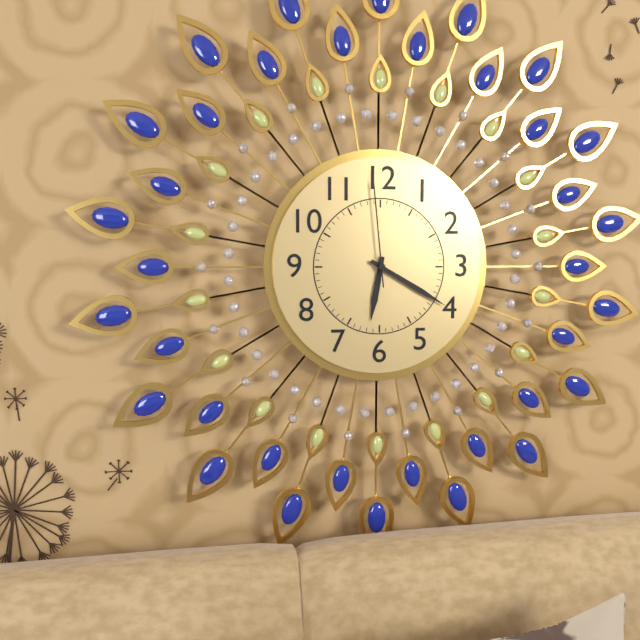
{"hour": 6, "minute": 20, "second": 59}
